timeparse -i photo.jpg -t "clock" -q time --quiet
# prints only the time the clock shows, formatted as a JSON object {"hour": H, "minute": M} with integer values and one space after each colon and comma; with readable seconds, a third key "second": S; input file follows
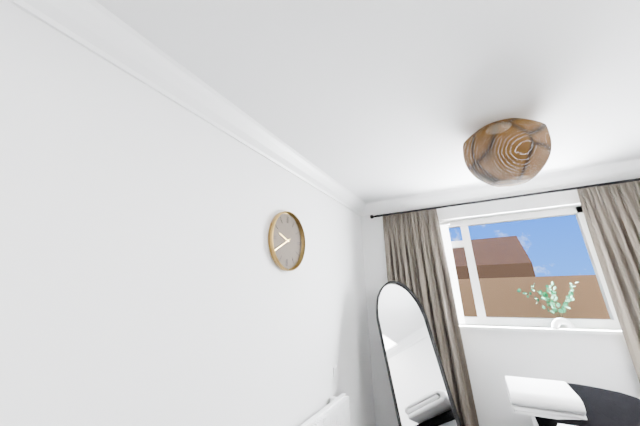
{"hour": 9, "minute": 40}
